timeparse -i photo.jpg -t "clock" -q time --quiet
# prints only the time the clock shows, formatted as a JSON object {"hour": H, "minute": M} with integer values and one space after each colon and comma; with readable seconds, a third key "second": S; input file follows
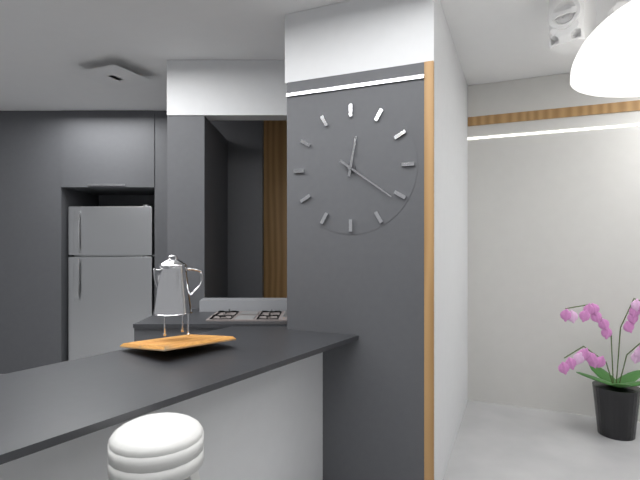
{"hour": 12, "minute": 21}
